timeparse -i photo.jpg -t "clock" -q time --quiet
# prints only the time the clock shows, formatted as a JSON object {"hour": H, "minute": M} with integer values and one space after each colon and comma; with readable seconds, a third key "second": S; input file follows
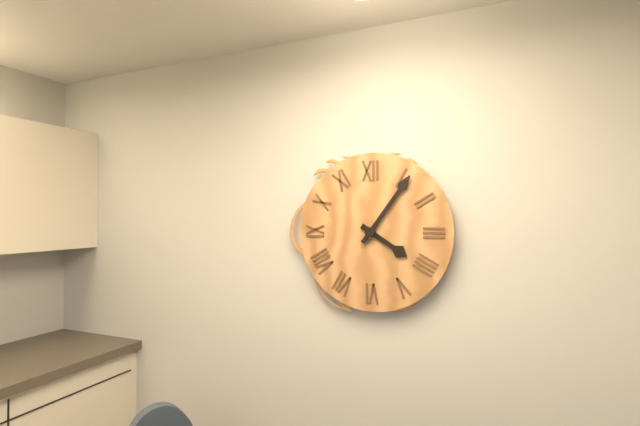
{"hour": 4, "minute": 6}
